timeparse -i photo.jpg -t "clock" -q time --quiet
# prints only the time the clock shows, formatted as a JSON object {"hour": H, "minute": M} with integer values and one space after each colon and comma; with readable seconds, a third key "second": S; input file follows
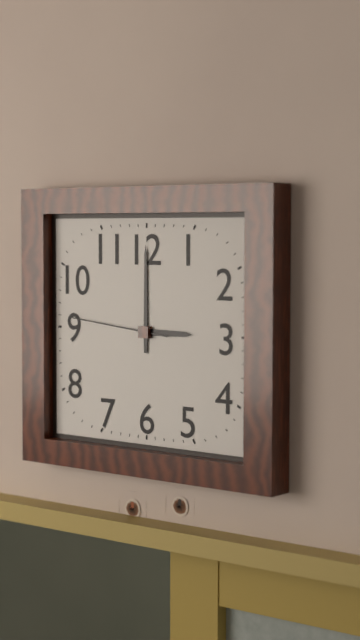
{"hour": 3, "minute": 0, "second": 46}
